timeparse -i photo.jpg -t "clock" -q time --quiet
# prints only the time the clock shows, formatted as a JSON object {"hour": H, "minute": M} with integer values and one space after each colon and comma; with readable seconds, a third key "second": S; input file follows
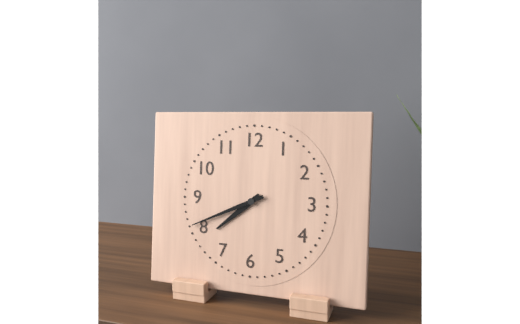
{"hour": 7, "minute": 41}
